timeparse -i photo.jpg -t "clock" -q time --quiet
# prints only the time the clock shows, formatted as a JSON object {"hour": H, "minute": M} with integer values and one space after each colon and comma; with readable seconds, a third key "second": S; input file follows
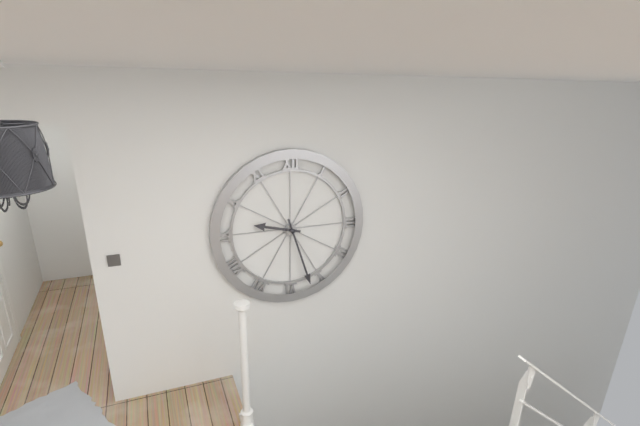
{"hour": 9, "minute": 27}
